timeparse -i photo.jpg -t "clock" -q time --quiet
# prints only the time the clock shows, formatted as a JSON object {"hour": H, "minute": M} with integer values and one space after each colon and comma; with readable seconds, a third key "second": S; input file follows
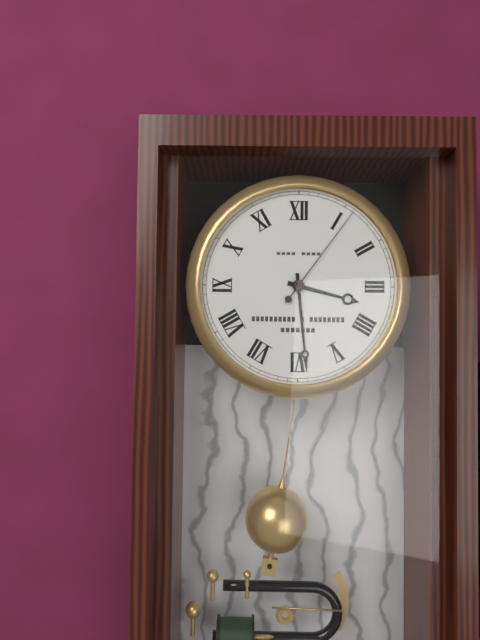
{"hour": 3, "minute": 29, "second": 6}
